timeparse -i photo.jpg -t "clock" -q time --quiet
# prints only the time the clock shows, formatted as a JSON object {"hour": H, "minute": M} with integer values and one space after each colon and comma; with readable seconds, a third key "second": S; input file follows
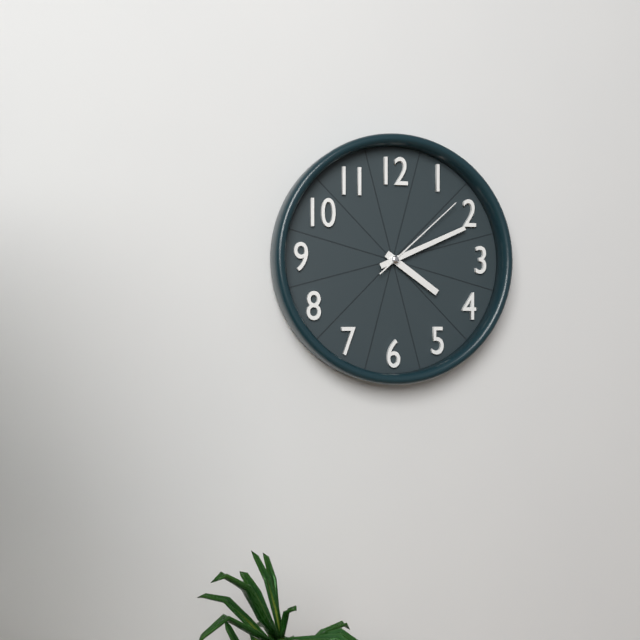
{"hour": 4, "minute": 11, "second": 8}
